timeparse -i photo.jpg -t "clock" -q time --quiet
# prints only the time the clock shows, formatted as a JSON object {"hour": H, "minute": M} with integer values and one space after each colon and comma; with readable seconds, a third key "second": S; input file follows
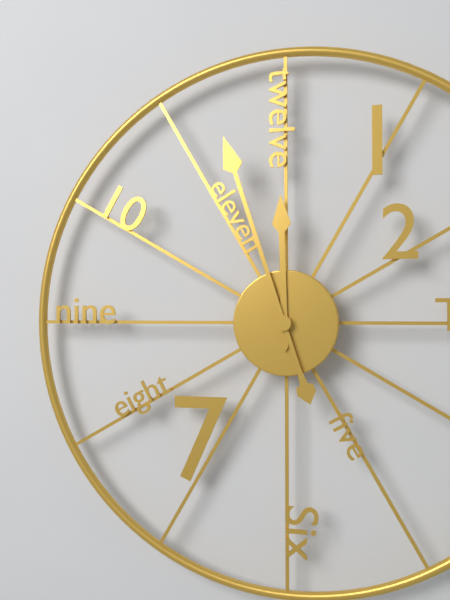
{"hour": 11, "minute": 57}
